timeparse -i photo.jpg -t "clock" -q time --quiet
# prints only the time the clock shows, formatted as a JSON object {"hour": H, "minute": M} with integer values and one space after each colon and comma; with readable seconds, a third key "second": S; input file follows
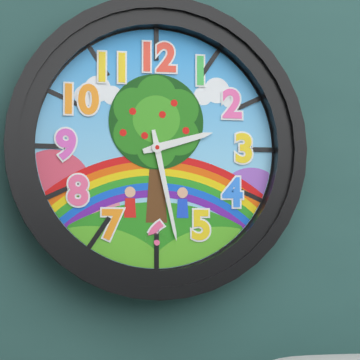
{"hour": 2, "minute": 28}
